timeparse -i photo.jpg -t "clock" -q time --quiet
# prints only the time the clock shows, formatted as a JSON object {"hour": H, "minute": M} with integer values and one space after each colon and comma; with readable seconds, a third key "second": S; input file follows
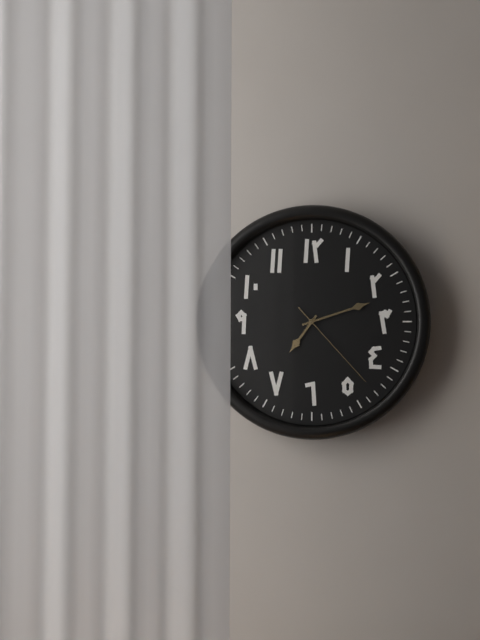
{"hour": 7, "minute": 12, "second": 23}
